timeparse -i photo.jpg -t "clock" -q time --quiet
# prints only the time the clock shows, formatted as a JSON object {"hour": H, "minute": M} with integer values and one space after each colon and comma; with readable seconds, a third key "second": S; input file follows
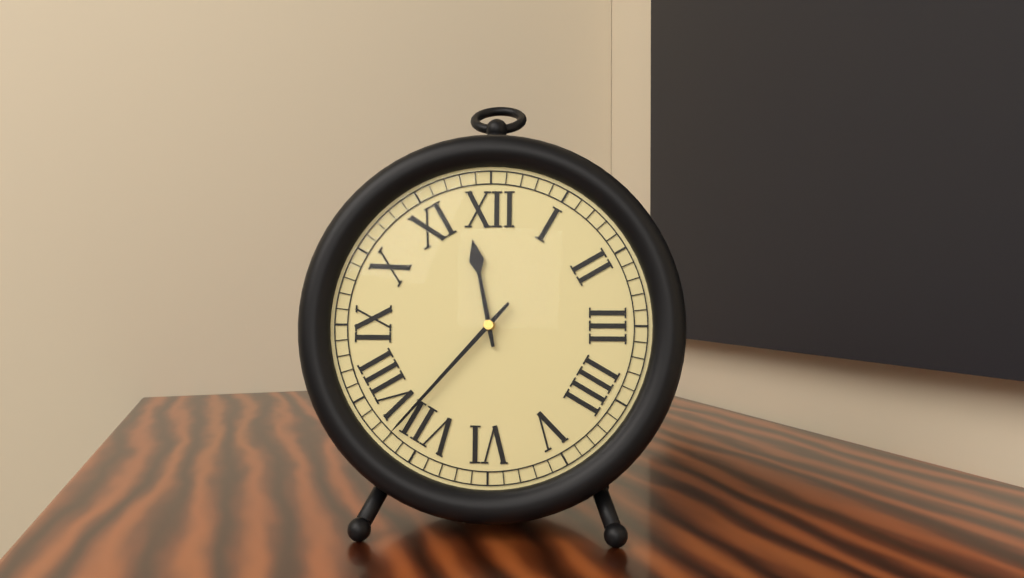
{"hour": 11, "minute": 37}
